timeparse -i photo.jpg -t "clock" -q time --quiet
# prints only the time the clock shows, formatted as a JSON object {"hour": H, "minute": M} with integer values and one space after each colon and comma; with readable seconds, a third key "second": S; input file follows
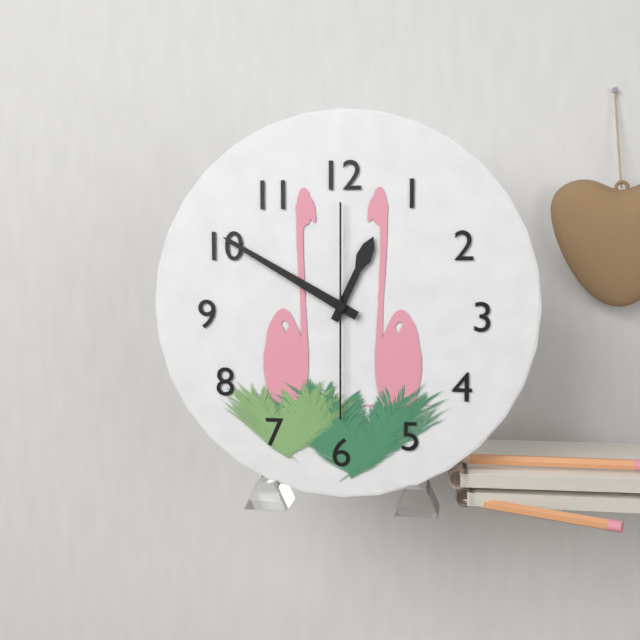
{"hour": 12, "minute": 50, "second": 30}
